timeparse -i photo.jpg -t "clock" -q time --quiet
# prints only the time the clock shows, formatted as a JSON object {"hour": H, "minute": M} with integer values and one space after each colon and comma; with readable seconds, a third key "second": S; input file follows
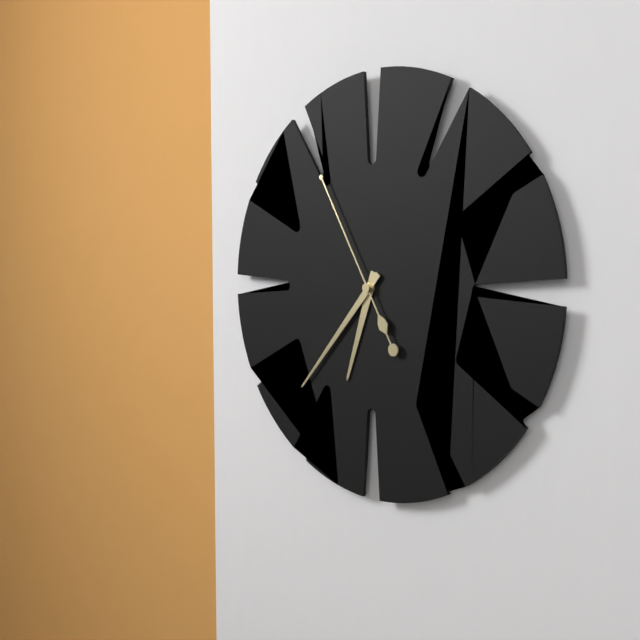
{"hour": 6, "minute": 37, "second": 55}
